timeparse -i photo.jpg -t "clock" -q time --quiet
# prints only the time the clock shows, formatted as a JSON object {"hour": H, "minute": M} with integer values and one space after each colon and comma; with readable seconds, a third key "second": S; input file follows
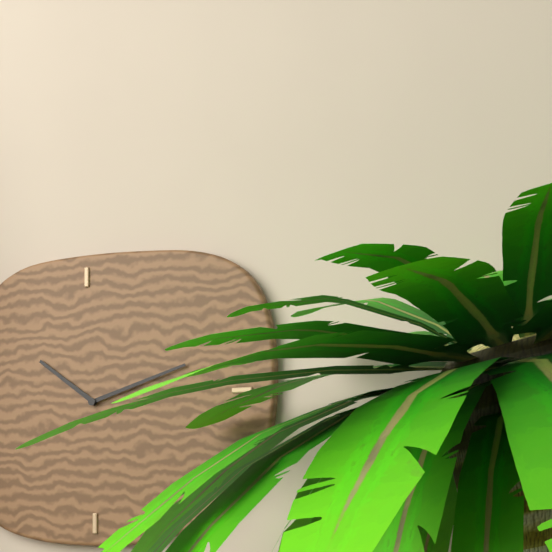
{"hour": 10, "minute": 12}
